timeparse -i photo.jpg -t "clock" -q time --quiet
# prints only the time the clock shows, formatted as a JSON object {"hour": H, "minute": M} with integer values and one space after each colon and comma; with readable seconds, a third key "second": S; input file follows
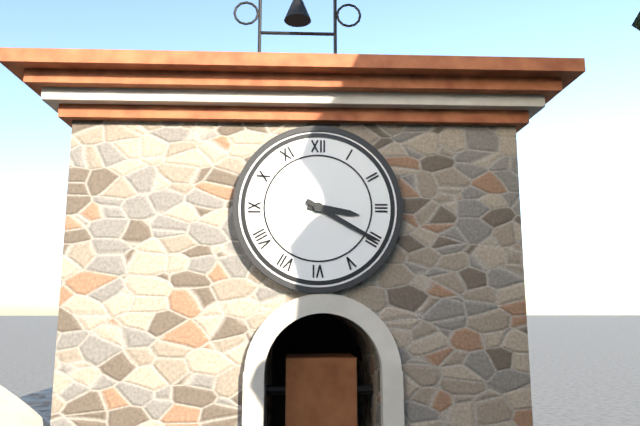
{"hour": 3, "minute": 20}
